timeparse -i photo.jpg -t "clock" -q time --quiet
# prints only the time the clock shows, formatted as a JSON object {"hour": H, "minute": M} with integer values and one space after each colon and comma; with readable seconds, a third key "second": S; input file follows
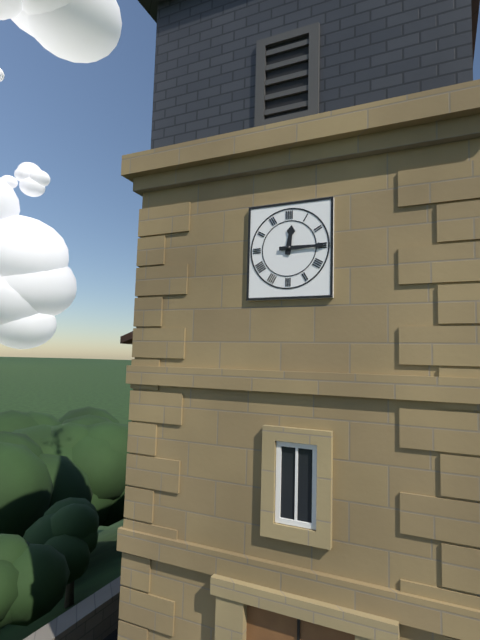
{"hour": 12, "minute": 15}
